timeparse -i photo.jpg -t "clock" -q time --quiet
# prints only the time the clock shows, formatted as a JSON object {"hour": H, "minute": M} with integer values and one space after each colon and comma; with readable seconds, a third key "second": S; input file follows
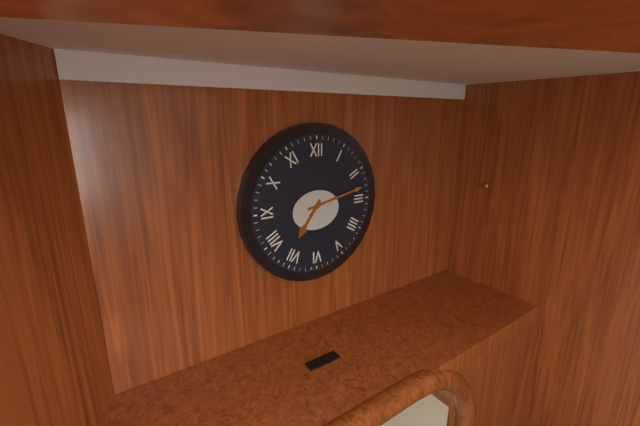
{"hour": 7, "minute": 13}
